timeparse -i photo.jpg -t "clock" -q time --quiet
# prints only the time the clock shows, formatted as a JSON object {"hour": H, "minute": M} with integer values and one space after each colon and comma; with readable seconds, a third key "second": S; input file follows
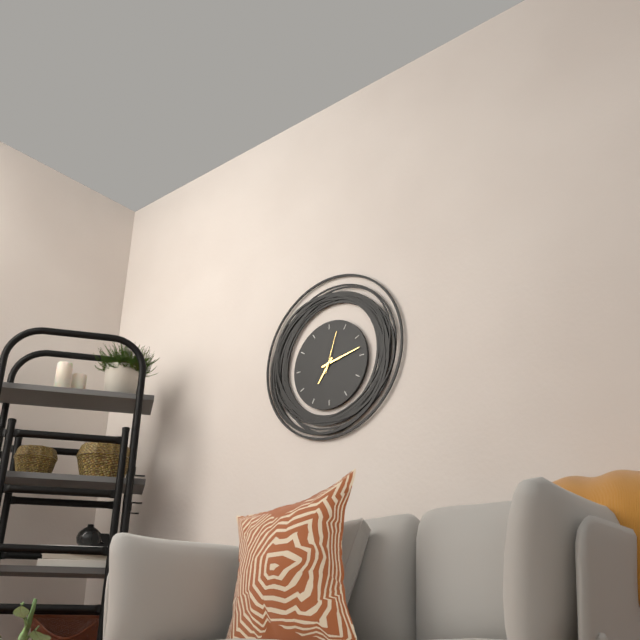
{"hour": 7, "minute": 13}
